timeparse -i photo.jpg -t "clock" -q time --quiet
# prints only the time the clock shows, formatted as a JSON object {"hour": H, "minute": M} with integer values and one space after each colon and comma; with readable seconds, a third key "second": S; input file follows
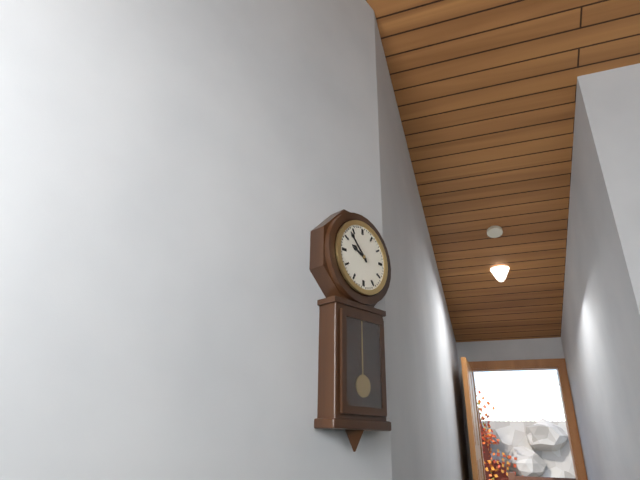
{"hour": 9, "minute": 53}
